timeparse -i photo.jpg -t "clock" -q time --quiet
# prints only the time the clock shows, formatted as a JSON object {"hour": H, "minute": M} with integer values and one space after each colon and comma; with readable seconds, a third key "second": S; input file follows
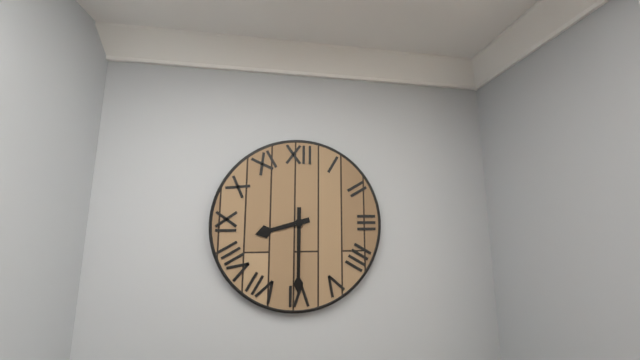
{"hour": 8, "minute": 30}
